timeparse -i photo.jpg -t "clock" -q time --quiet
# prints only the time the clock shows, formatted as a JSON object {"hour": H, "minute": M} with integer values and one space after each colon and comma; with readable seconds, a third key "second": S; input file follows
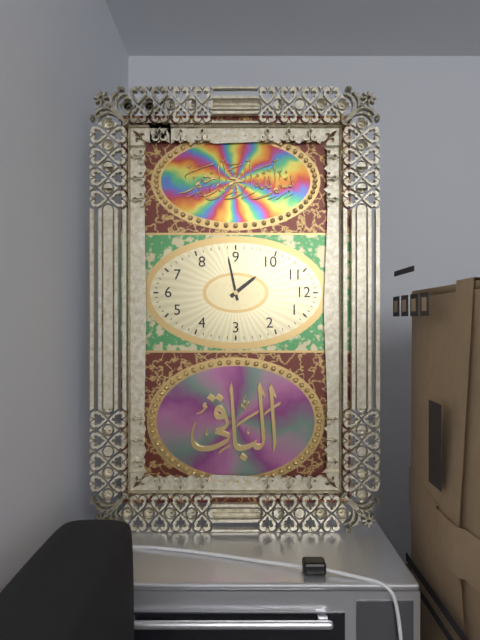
{"hour": 10, "minute": 43}
